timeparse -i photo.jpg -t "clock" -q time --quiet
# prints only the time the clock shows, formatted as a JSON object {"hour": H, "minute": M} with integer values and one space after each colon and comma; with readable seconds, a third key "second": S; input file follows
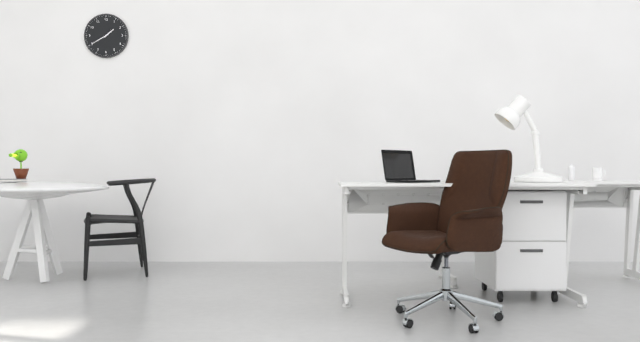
{"hour": 1, "minute": 40}
